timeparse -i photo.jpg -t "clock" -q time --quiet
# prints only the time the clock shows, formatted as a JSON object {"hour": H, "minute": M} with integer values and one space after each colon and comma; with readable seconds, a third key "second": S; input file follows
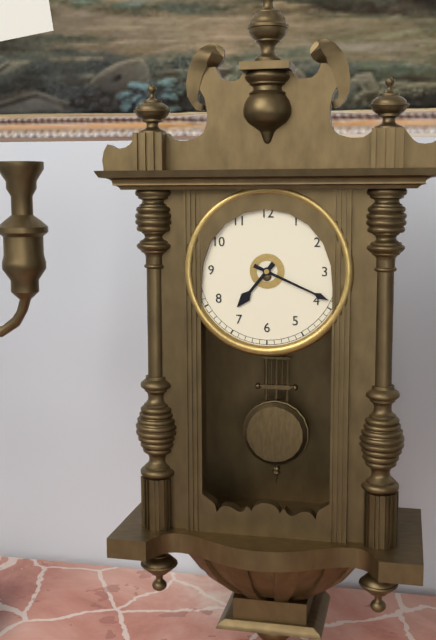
{"hour": 7, "minute": 19}
